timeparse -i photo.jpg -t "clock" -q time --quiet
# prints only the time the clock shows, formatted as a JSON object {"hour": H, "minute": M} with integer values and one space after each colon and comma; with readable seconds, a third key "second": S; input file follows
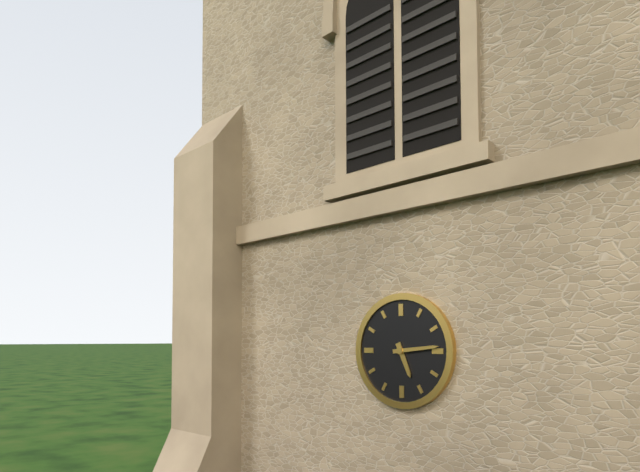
{"hour": 5, "minute": 14}
